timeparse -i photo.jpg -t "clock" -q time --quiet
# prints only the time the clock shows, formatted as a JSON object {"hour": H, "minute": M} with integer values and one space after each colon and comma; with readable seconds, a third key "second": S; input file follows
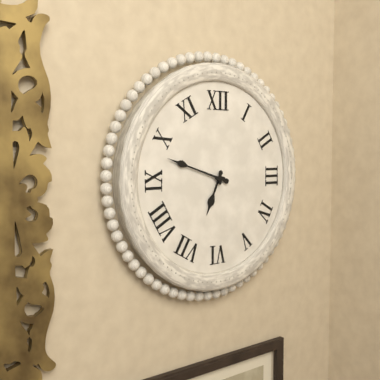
{"hour": 6, "minute": 48}
